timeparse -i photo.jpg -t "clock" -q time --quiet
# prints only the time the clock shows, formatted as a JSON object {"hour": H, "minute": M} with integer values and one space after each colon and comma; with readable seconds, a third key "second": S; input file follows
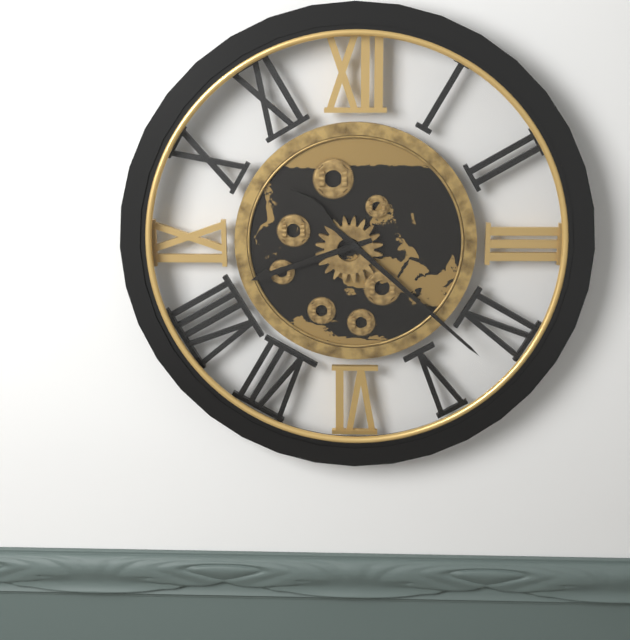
{"hour": 8, "minute": 22}
